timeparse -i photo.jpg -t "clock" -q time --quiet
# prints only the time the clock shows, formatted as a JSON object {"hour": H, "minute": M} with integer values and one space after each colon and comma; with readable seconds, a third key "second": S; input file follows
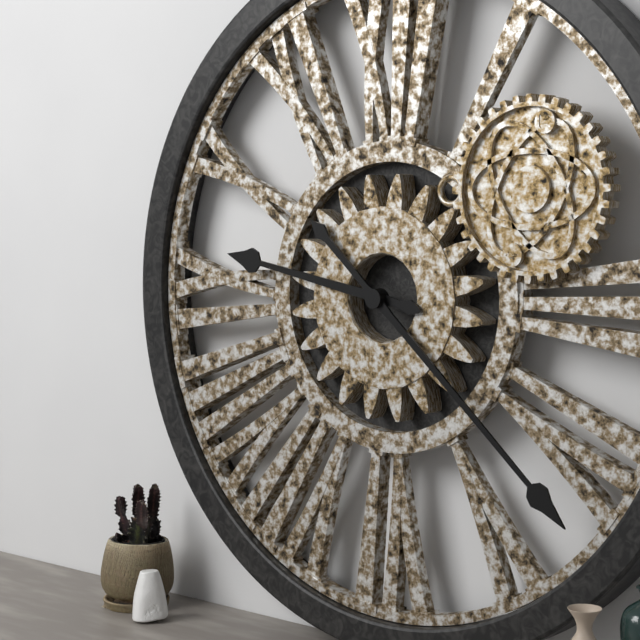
{"hour": 9, "minute": 22}
